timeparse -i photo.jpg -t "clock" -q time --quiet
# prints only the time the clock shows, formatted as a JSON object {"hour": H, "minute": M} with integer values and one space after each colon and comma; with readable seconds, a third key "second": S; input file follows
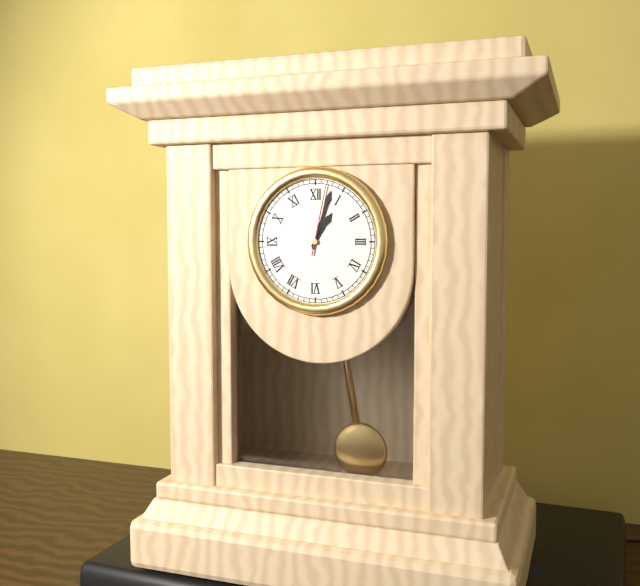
{"hour": 1, "minute": 3, "second": 2}
